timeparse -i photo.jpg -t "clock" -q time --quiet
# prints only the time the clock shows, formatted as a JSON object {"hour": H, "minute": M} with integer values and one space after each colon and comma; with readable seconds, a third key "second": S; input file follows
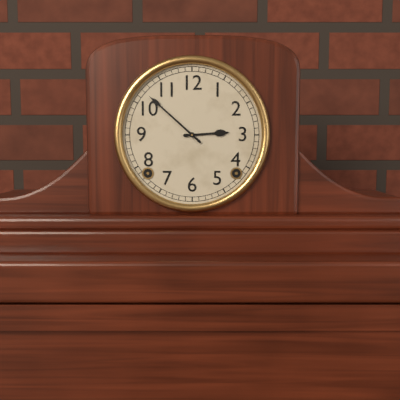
{"hour": 2, "minute": 52}
